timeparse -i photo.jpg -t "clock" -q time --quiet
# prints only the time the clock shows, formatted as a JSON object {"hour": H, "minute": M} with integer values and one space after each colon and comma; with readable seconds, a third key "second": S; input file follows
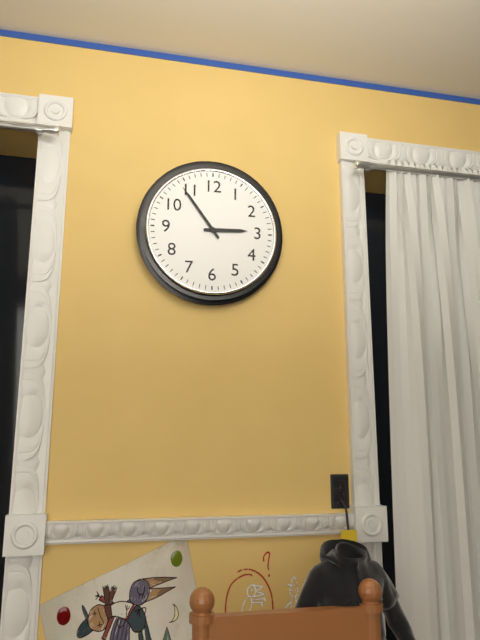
{"hour": 2, "minute": 54}
